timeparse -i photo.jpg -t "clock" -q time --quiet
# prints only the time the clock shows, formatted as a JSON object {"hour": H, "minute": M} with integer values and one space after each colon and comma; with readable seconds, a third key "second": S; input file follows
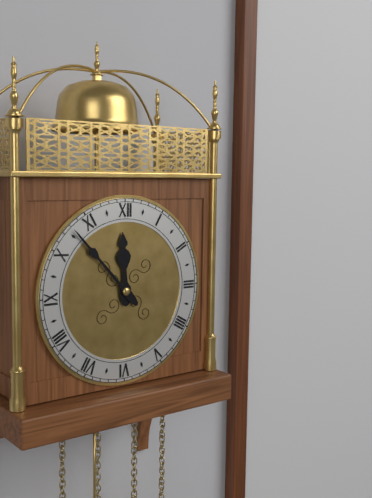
{"hour": 11, "minute": 53}
